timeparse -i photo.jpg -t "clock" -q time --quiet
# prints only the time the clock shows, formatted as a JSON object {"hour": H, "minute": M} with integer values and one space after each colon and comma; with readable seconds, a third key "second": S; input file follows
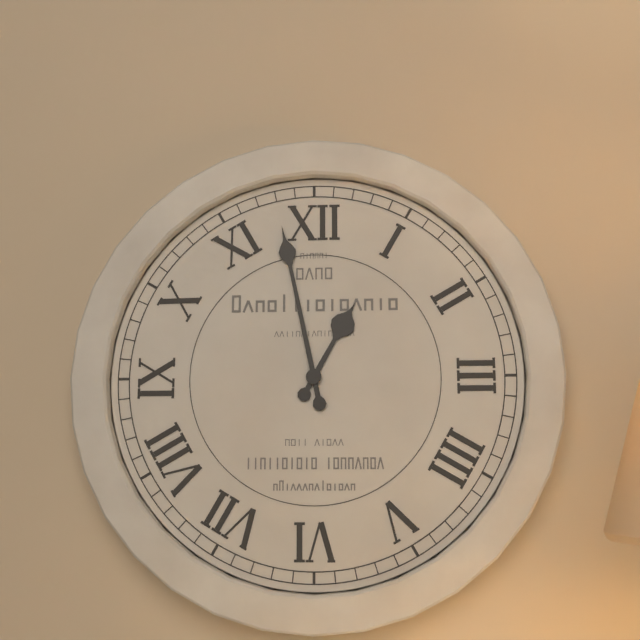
{"hour": 12, "minute": 58}
